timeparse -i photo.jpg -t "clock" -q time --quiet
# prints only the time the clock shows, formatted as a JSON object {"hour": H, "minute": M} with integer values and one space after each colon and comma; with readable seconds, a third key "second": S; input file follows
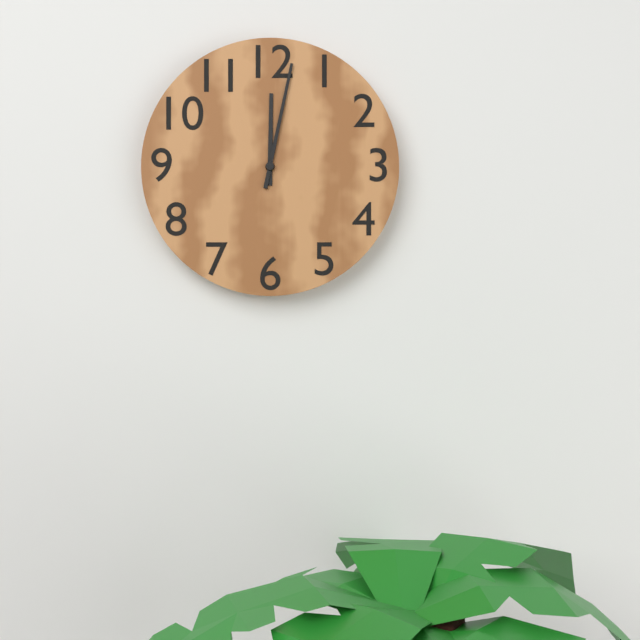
{"hour": 12, "minute": 2}
